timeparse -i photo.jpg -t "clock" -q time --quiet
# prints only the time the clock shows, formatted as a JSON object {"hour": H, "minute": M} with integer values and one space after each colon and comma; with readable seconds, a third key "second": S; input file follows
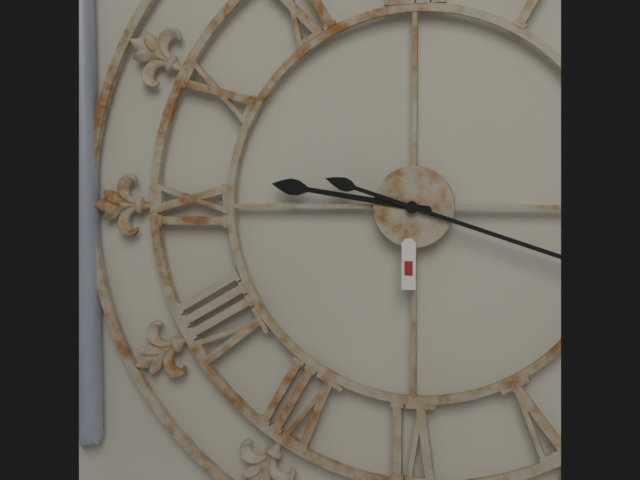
{"hour": 9, "minute": 18}
